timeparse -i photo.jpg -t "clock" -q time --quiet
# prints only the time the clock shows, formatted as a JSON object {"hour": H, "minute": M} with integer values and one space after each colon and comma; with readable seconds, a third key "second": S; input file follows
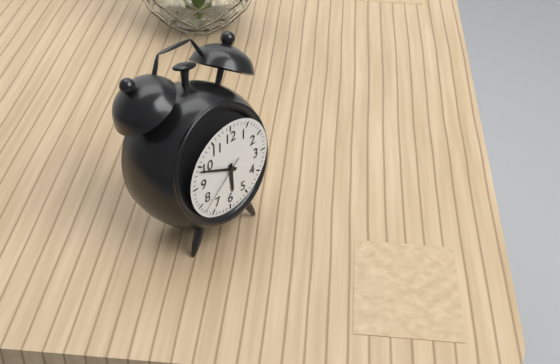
{"hour": 5, "minute": 49, "second": 38}
